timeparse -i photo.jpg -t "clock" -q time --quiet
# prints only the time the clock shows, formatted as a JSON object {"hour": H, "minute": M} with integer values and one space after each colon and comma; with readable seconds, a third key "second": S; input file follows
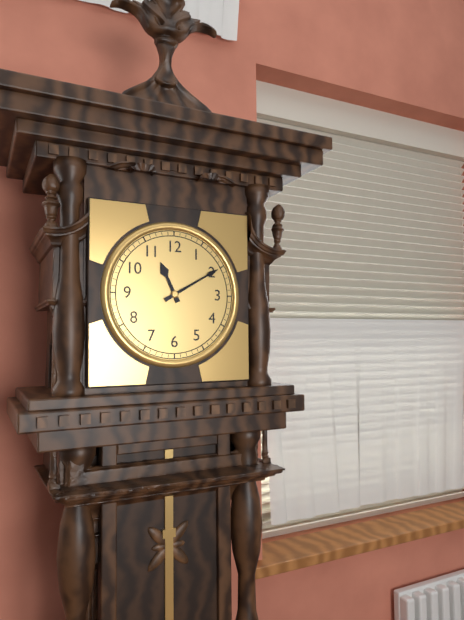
{"hour": 11, "minute": 10}
